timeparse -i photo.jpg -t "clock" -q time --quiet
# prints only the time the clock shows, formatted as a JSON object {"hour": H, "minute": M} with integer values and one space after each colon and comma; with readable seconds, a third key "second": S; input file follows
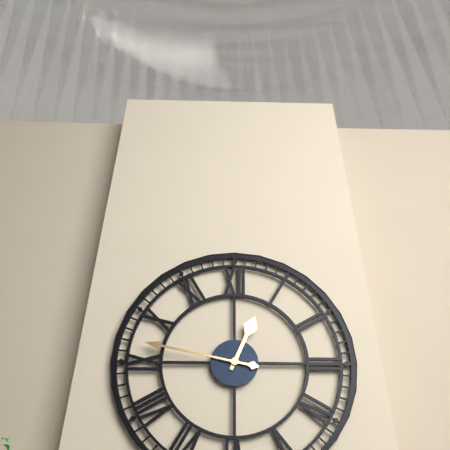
{"hour": 12, "minute": 47}
